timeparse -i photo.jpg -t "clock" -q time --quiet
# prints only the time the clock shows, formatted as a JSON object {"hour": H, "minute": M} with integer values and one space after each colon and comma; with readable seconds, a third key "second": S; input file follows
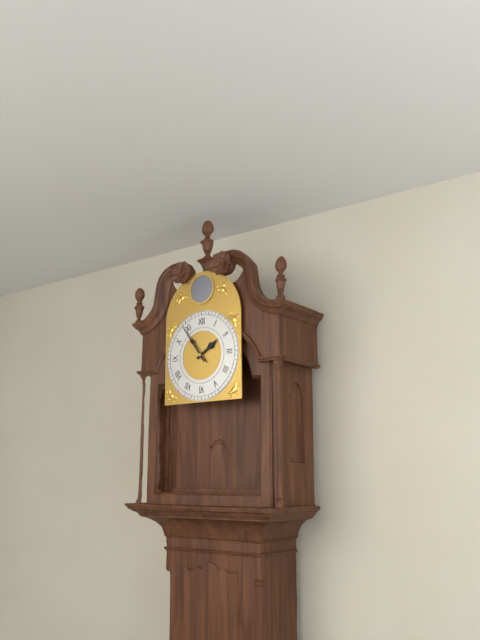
{"hour": 1, "minute": 54}
